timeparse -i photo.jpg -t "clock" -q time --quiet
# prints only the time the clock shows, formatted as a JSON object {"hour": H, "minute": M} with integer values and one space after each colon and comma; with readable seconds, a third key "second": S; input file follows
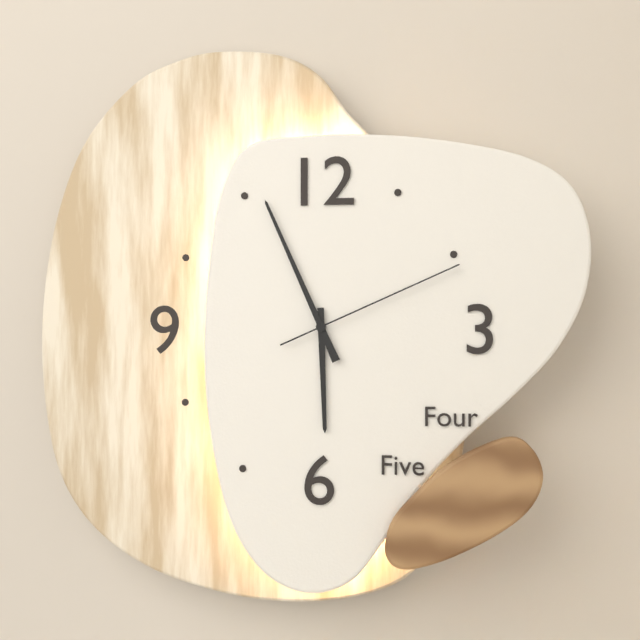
{"hour": 5, "minute": 56, "second": 11}
